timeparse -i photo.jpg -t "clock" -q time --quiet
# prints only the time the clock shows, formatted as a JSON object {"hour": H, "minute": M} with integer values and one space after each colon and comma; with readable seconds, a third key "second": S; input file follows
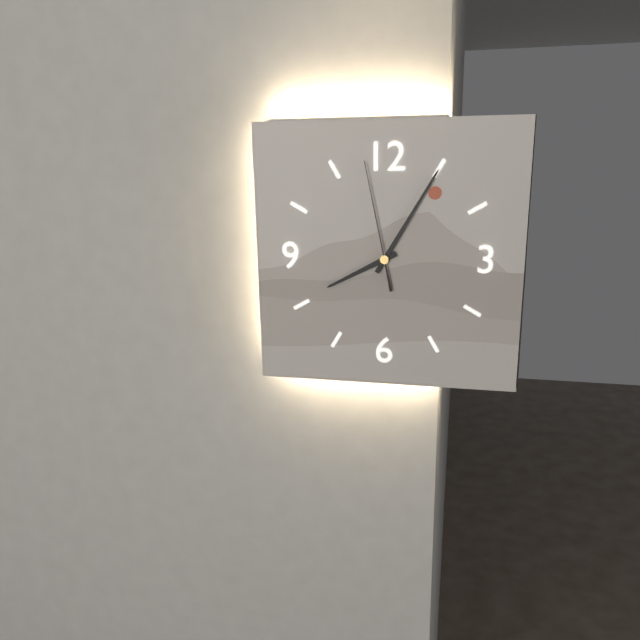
{"hour": 8, "minute": 5, "second": 58}
